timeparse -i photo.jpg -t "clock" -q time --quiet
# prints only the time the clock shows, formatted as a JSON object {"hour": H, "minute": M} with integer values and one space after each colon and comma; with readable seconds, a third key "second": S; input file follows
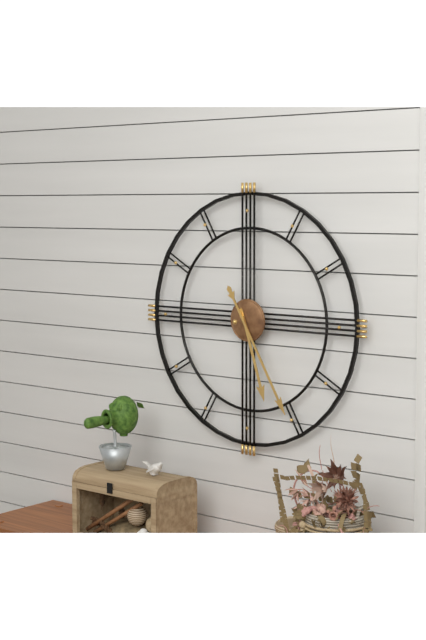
{"hour": 5, "minute": 25}
